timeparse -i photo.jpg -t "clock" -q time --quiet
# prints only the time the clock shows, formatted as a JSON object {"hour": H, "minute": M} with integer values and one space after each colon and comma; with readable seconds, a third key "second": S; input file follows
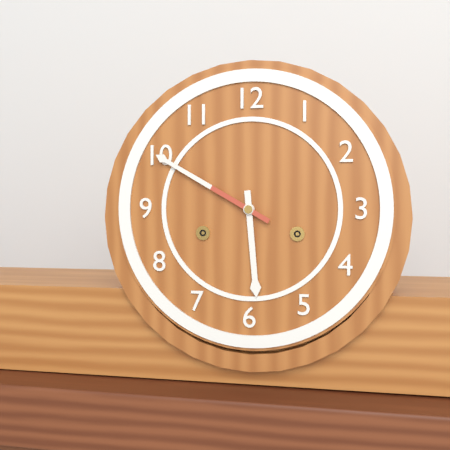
{"hour": 5, "minute": 50}
